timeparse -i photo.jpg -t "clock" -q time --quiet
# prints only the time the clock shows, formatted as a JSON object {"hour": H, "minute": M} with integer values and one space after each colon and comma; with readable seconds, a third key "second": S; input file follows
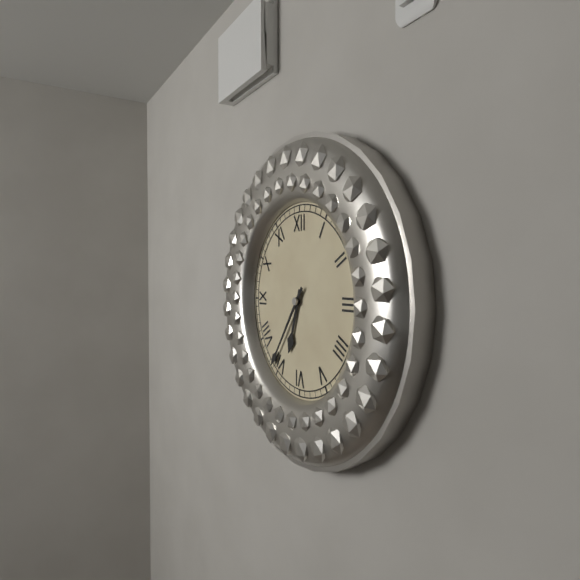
{"hour": 6, "minute": 36}
